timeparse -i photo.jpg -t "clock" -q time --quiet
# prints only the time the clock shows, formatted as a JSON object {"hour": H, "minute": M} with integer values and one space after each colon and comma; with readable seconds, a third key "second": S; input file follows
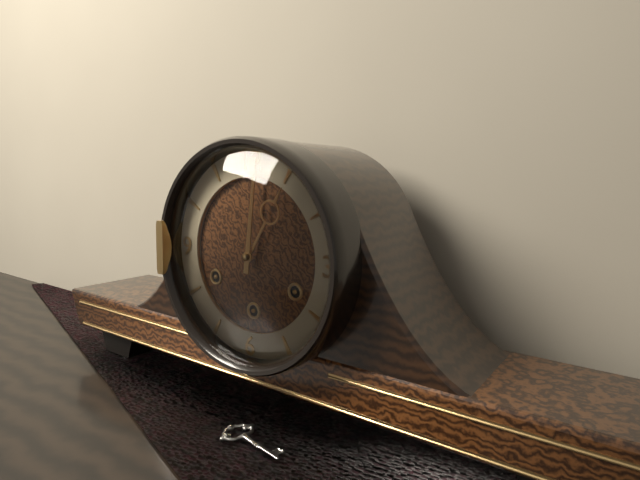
{"hour": 1, "minute": 1}
